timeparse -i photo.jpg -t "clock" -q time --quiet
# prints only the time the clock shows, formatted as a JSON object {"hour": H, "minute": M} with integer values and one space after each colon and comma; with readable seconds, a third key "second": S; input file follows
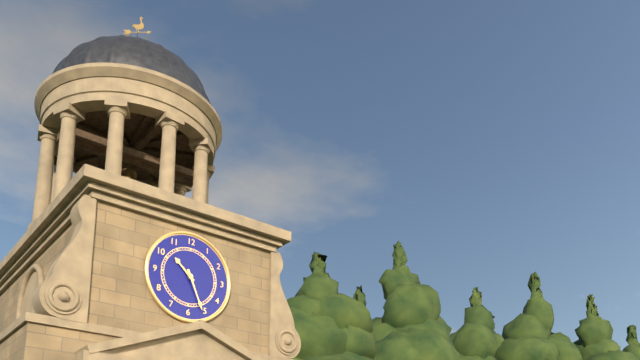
{"hour": 10, "minute": 26}
